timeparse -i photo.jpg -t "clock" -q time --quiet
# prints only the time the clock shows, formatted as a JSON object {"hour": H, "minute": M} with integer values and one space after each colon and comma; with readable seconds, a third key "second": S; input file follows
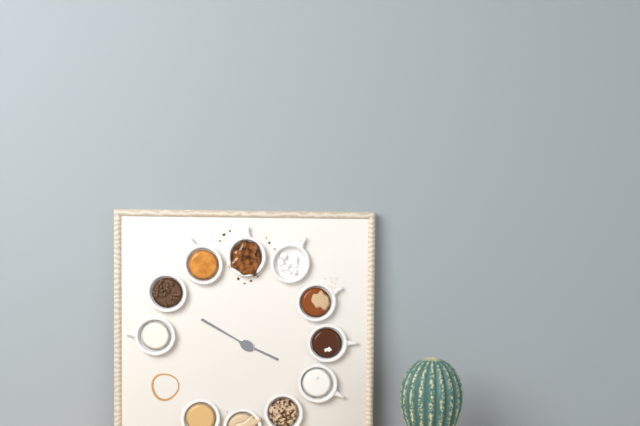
{"hour": 3, "minute": 50}
